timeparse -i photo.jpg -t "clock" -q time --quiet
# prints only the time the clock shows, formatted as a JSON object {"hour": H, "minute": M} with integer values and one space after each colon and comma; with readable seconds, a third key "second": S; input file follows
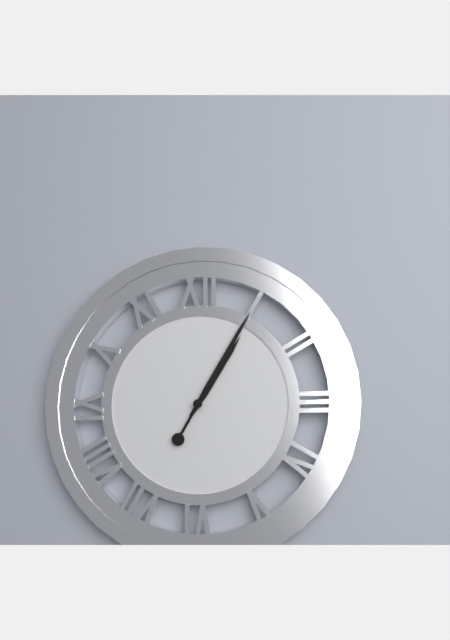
{"hour": 1, "minute": 5}
